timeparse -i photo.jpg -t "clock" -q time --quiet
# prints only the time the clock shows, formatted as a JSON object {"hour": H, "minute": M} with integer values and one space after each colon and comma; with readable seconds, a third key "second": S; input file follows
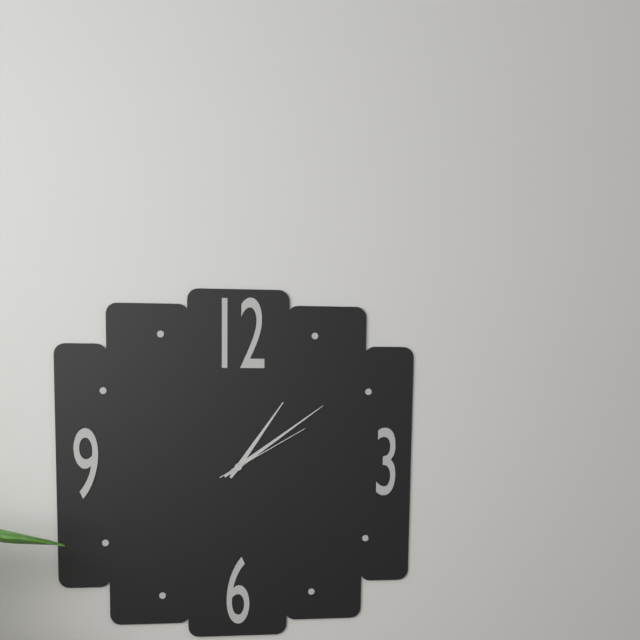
{"hour": 1, "minute": 9, "second": 10}
